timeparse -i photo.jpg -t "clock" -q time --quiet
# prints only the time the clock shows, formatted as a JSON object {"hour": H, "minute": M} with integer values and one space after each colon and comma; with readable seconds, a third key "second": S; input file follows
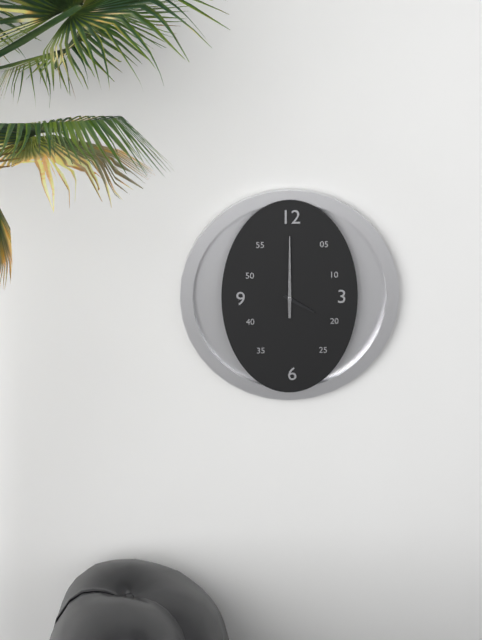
{"hour": 4, "minute": 0}
